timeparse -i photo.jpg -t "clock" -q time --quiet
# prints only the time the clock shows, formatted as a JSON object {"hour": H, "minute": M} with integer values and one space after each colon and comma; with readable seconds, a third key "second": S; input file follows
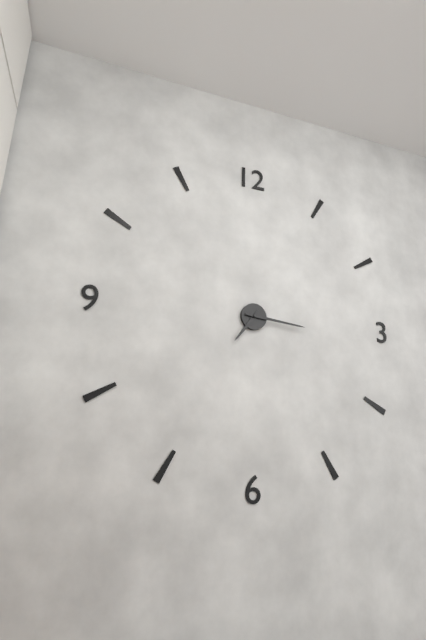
{"hour": 7, "minute": 16}
